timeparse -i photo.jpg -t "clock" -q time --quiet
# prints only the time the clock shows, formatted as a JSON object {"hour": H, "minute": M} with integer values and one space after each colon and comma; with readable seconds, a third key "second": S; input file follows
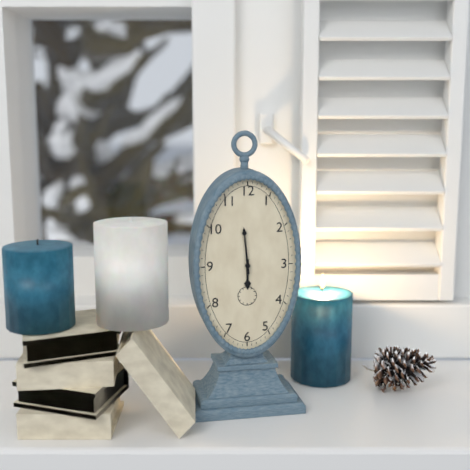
{"hour": 5, "minute": 59}
